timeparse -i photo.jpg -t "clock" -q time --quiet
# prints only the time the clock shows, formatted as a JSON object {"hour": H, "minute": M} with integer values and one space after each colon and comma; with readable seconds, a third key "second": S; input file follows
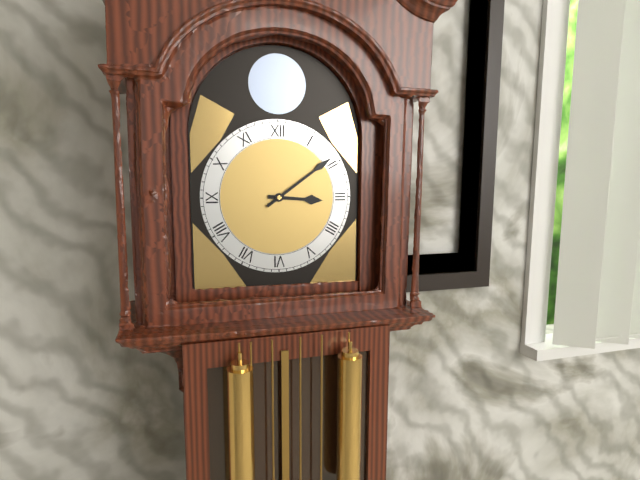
{"hour": 3, "minute": 9}
